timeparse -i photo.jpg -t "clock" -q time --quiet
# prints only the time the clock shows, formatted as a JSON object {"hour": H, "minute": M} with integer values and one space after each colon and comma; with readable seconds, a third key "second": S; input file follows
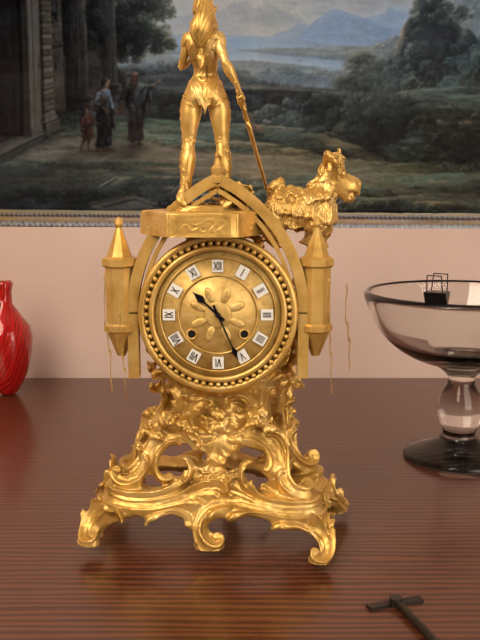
{"hour": 10, "minute": 26}
